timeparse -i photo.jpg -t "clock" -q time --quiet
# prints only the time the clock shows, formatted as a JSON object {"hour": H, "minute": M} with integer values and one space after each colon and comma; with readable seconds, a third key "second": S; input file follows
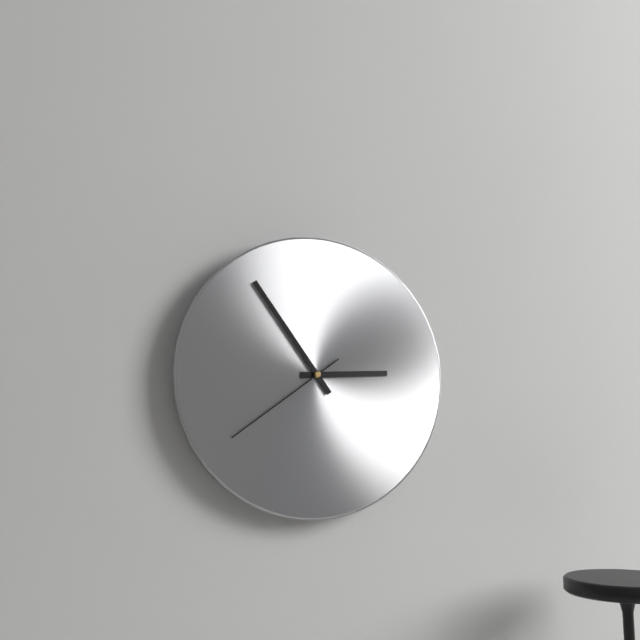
{"hour": 2, "minute": 54, "second": 39}
